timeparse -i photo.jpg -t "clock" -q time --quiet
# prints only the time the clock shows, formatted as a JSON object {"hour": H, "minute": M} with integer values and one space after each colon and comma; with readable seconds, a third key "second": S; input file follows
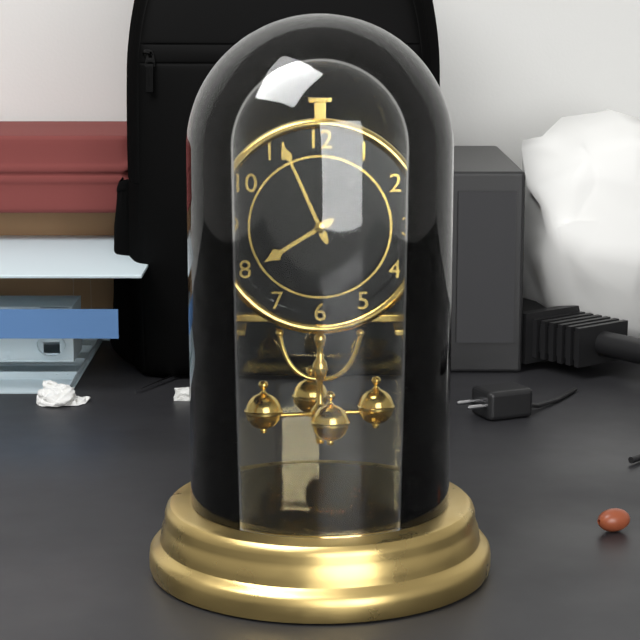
{"hour": 7, "minute": 56}
